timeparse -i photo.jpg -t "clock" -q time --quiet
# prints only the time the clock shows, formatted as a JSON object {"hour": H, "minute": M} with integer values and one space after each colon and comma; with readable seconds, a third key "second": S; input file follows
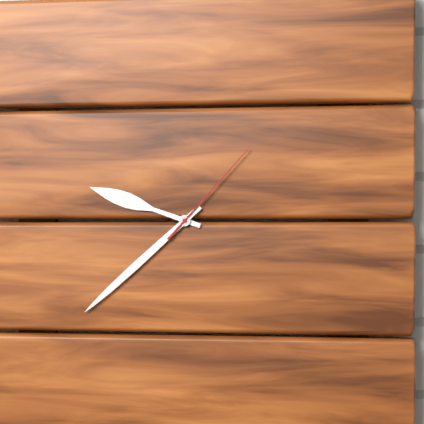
{"hour": 9, "minute": 38, "second": 7}
